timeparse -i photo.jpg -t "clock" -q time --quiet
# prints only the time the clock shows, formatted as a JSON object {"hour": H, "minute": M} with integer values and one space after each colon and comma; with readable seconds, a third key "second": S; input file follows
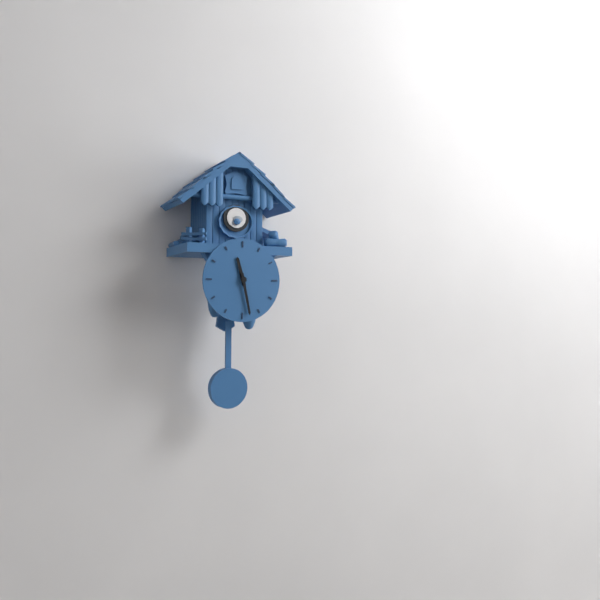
{"hour": 11, "minute": 28}
